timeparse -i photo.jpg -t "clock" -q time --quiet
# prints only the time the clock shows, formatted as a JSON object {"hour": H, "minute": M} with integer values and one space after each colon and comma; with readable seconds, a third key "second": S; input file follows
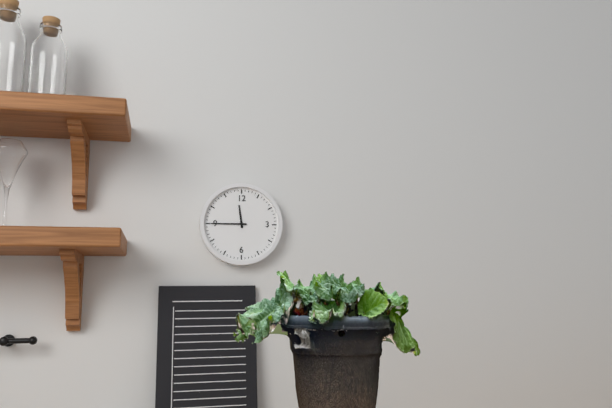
{"hour": 11, "minute": 45}
